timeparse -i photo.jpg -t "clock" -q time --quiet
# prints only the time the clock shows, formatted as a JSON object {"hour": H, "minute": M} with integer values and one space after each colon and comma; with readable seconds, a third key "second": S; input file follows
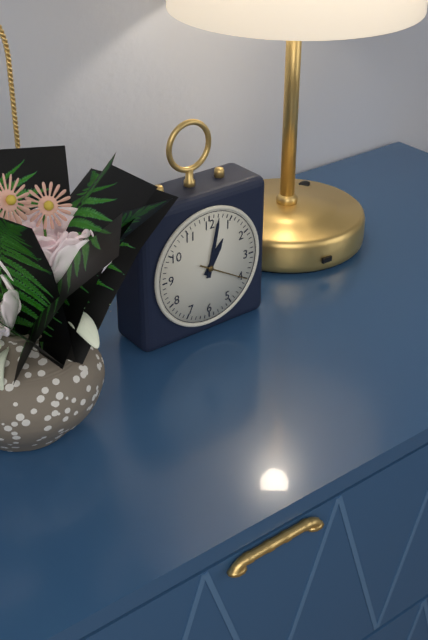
{"hour": 1, "minute": 2}
